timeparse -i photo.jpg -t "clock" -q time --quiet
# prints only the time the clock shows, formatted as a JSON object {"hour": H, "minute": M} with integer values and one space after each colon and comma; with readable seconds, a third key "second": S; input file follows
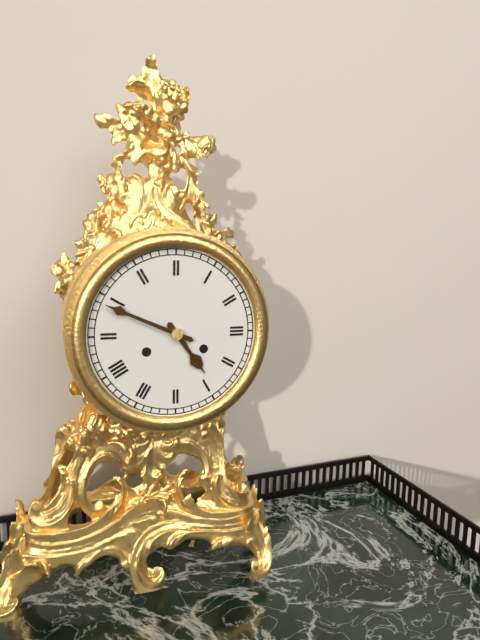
{"hour": 4, "minute": 49}
